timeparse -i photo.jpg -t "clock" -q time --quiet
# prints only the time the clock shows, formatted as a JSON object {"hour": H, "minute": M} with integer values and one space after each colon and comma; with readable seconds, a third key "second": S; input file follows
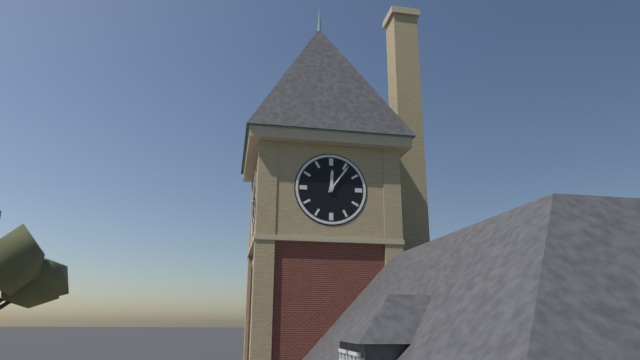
{"hour": 12, "minute": 6}
